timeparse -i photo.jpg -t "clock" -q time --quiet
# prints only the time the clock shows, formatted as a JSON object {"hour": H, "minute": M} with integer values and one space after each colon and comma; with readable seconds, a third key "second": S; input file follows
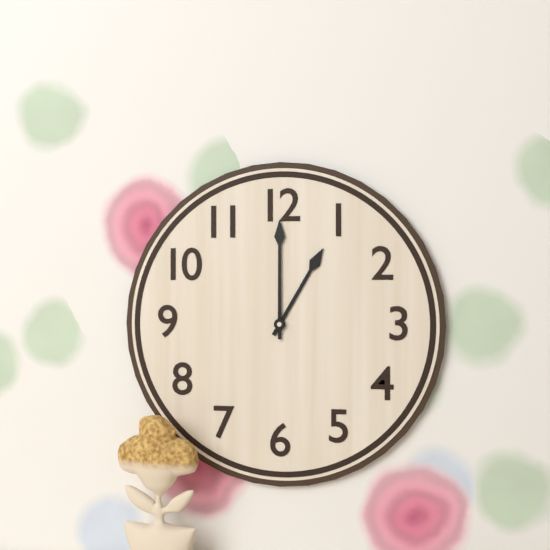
{"hour": 1, "minute": 0}
